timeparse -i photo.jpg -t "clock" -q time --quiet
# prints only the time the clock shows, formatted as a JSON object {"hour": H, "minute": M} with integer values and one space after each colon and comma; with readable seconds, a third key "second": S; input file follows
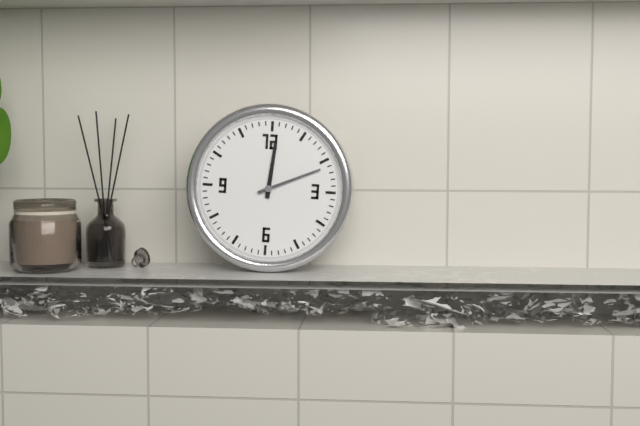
{"hour": 12, "minute": 11}
